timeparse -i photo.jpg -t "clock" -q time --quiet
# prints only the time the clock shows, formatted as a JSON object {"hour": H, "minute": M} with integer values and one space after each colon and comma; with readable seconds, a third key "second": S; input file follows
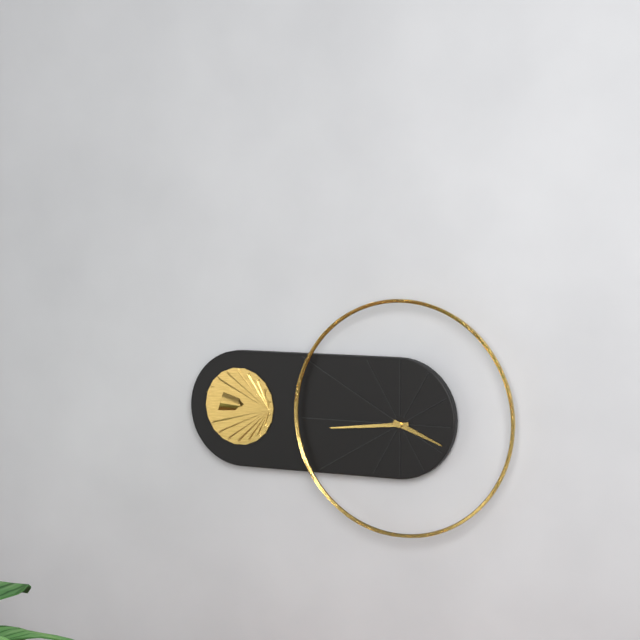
{"hour": 3, "minute": 44}
